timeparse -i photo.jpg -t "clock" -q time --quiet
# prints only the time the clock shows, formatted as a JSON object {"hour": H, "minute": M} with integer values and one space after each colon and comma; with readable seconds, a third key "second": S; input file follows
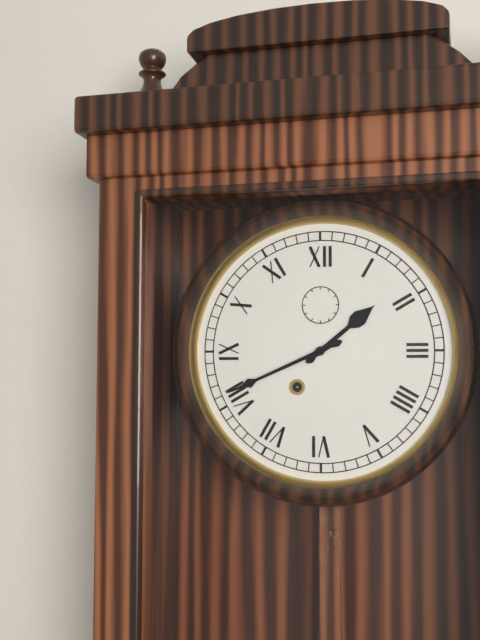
{"hour": 1, "minute": 41}
